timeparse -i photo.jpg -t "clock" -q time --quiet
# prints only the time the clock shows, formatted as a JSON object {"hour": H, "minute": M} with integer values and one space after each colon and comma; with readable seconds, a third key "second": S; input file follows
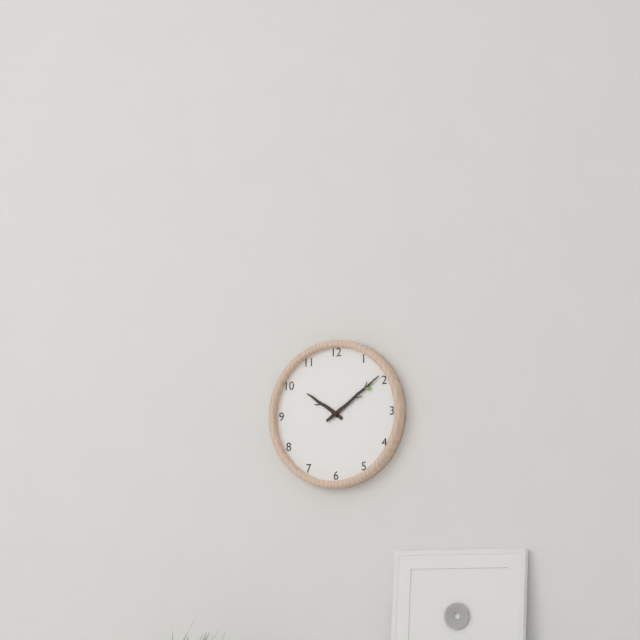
{"hour": 10, "minute": 9}
